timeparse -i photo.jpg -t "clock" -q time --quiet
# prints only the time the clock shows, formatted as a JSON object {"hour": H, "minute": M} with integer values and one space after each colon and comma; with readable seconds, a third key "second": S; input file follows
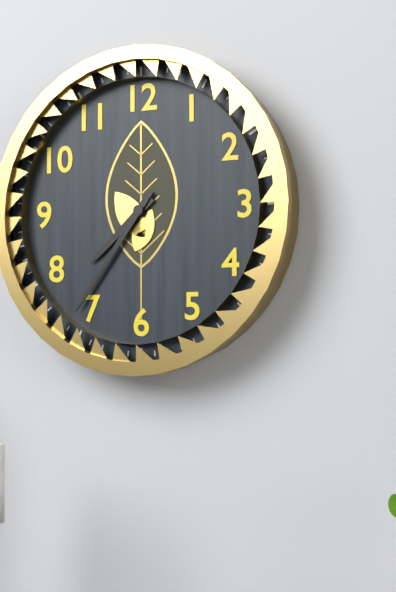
{"hour": 7, "minute": 36}
